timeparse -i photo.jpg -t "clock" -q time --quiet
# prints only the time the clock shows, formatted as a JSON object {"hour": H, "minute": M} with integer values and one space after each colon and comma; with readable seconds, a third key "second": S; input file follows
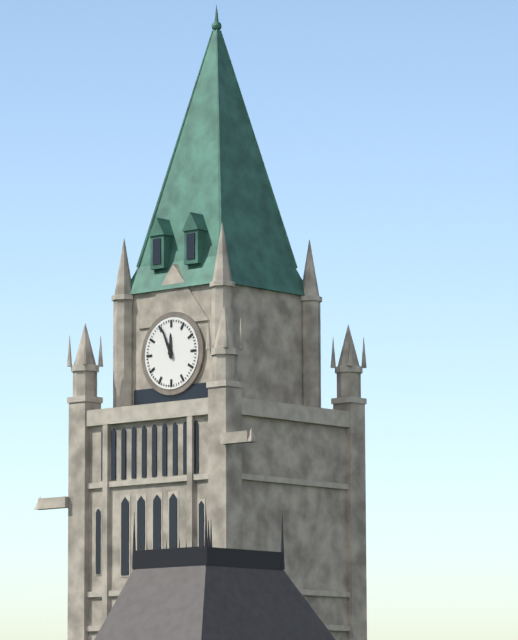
{"hour": 11, "minute": 56}
